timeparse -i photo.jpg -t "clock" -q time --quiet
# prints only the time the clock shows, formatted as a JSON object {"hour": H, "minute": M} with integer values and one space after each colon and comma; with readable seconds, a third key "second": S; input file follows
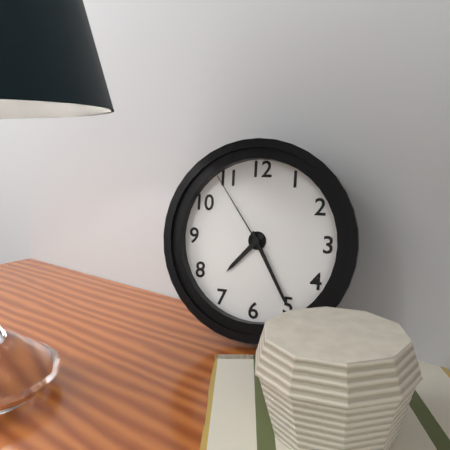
{"hour": 7, "minute": 25, "second": 54}
